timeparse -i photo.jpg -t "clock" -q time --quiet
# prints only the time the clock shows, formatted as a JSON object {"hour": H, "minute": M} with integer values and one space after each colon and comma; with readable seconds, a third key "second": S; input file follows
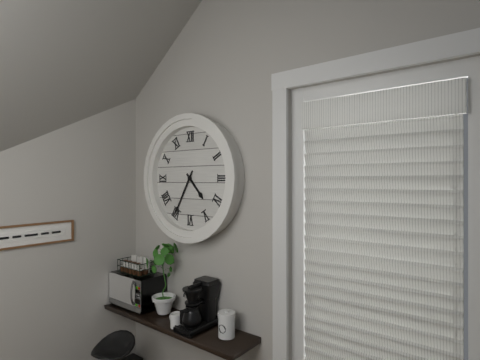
{"hour": 4, "minute": 35}
